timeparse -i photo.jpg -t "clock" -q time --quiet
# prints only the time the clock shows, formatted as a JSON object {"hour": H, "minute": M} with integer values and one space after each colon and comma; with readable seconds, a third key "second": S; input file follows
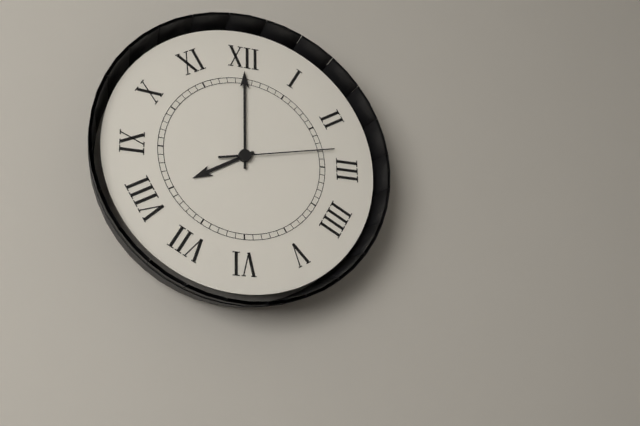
{"hour": 8, "minute": 0, "second": 13}
